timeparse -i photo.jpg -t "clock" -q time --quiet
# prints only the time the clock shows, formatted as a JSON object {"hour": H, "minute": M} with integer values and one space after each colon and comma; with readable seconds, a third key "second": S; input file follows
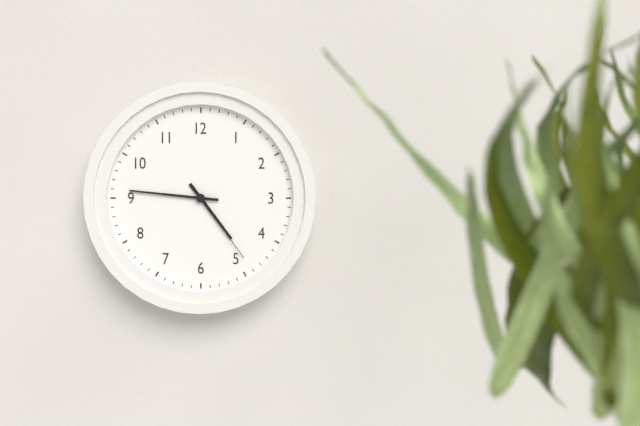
{"hour": 4, "minute": 46, "second": 24}
